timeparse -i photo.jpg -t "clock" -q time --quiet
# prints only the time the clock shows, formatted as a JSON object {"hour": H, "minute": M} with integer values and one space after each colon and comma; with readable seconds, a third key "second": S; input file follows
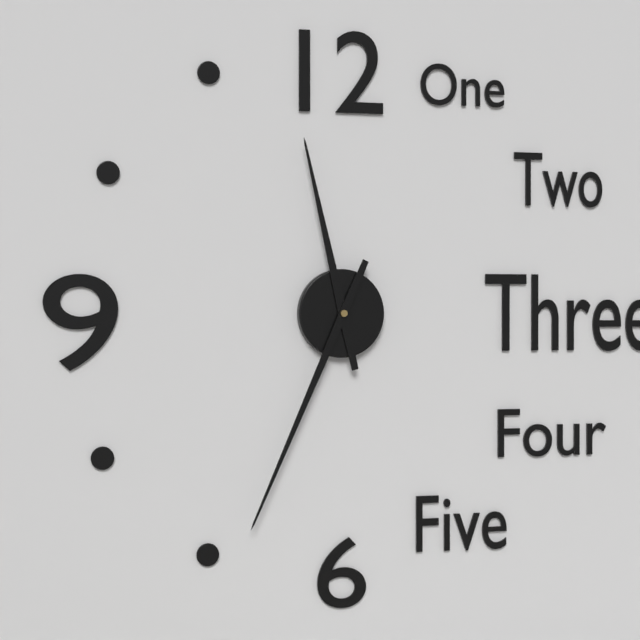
{"hour": 11, "minute": 34}
